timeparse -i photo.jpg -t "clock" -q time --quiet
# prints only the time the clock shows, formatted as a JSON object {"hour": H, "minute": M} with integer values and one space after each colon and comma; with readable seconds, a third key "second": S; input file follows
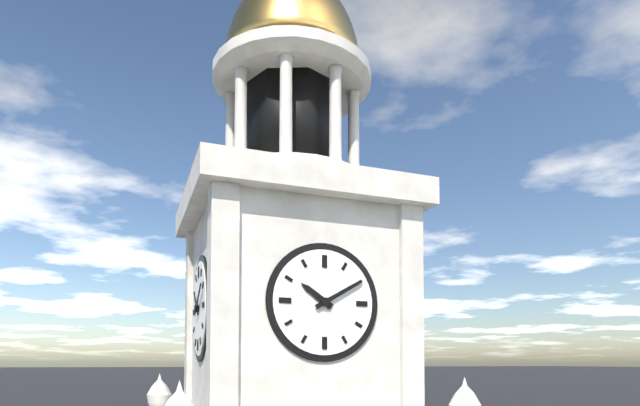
{"hour": 10, "minute": 10}
